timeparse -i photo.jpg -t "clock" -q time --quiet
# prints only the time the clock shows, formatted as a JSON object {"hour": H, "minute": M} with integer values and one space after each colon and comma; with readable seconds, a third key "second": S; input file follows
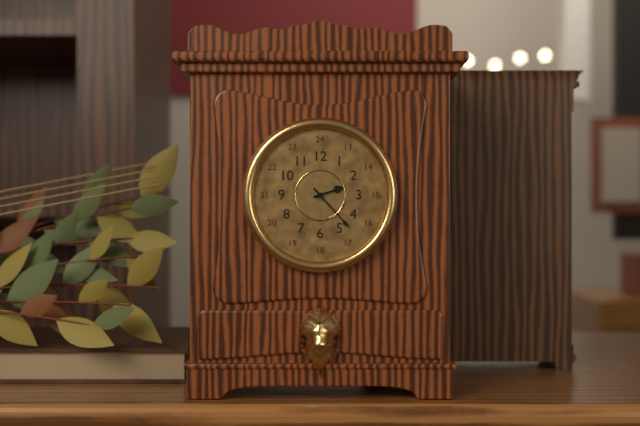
{"hour": 2, "minute": 23}
